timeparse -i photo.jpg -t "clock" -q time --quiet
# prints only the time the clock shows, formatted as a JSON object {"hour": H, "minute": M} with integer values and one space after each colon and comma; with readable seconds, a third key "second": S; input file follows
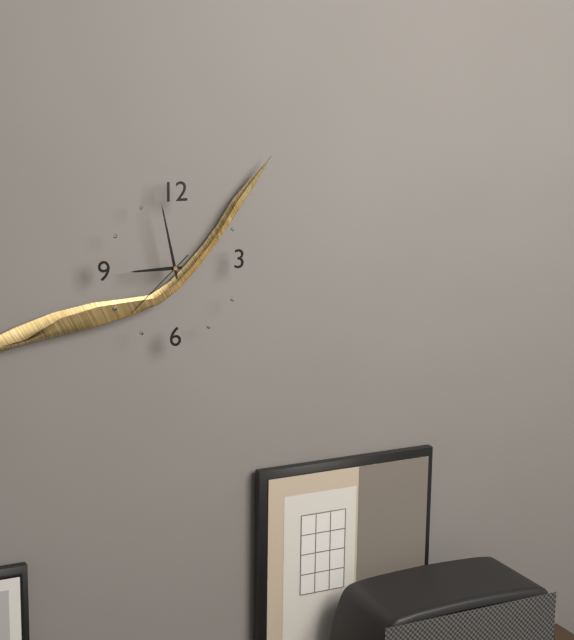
{"hour": 8, "minute": 58, "second": 38}
